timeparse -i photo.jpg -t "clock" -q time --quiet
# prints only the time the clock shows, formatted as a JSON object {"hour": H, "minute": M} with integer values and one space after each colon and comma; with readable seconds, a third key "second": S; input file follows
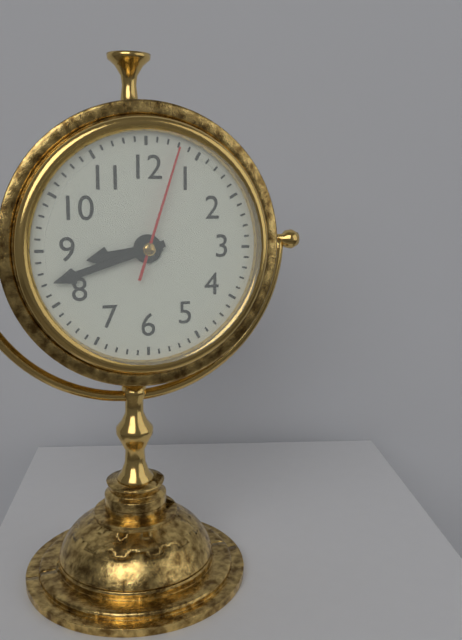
{"hour": 8, "minute": 42, "second": 3}
